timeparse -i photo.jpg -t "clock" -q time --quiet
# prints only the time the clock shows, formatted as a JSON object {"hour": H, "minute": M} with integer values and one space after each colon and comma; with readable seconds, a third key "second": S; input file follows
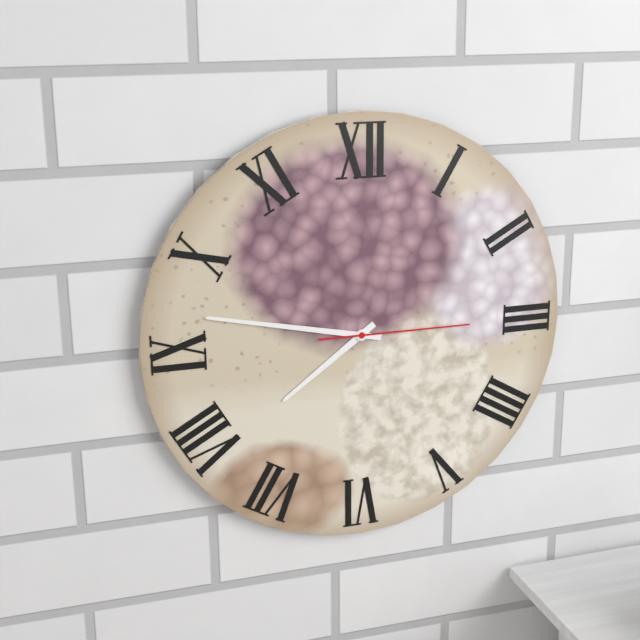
{"hour": 7, "minute": 47, "second": 15}
